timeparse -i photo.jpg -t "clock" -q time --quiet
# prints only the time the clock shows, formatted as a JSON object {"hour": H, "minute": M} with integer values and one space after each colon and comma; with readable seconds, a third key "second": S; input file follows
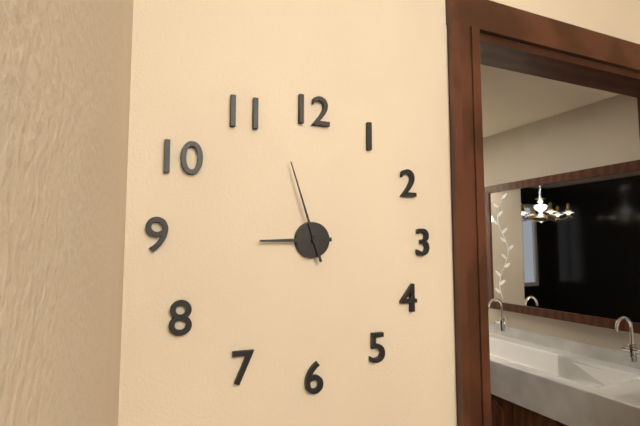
{"hour": 8, "minute": 57}
